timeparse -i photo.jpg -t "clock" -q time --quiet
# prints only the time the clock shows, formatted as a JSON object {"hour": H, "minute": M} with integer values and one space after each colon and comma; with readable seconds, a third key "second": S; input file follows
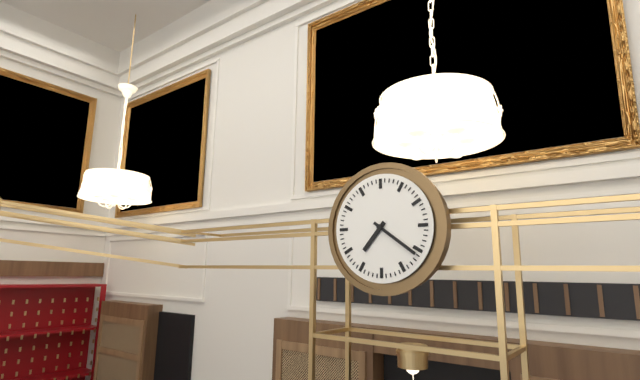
{"hour": 7, "minute": 21}
